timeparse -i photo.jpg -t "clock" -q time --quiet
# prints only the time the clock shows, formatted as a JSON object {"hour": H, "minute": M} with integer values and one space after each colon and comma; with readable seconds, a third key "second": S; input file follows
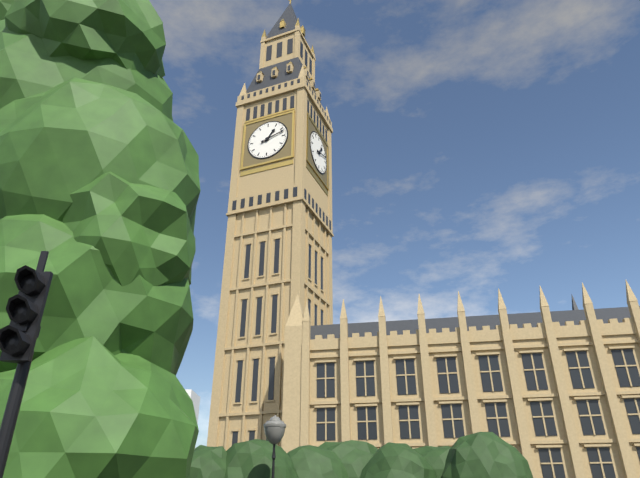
{"hour": 1, "minute": 12}
